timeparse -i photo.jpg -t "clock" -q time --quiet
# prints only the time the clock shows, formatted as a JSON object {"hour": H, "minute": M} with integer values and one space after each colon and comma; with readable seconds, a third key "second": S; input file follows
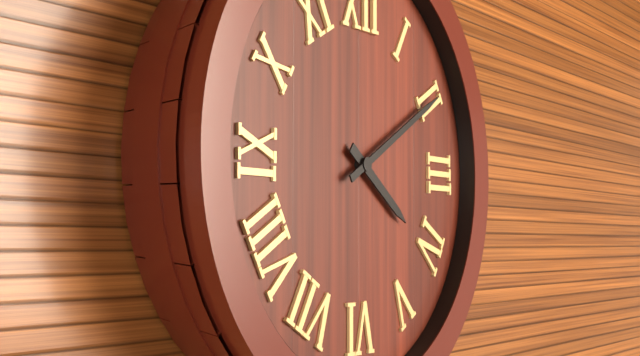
{"hour": 4, "minute": 10}
